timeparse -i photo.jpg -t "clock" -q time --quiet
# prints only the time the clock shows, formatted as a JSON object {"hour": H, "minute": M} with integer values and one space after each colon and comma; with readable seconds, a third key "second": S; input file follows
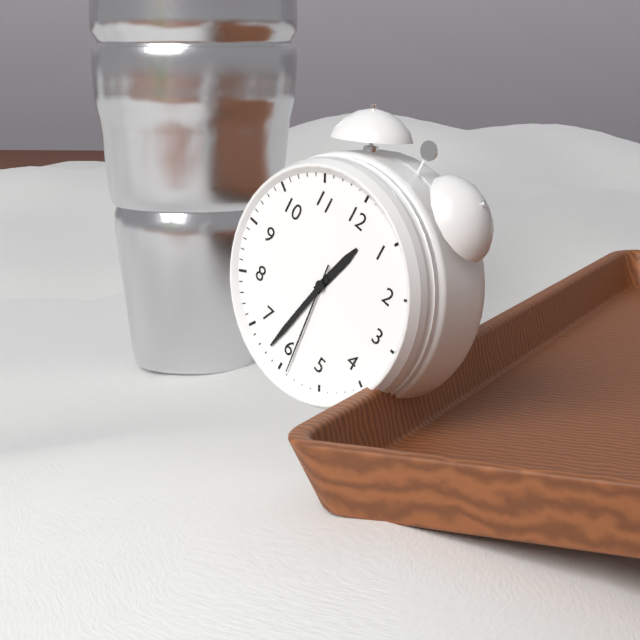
{"hour": 12, "minute": 32, "second": 29}
